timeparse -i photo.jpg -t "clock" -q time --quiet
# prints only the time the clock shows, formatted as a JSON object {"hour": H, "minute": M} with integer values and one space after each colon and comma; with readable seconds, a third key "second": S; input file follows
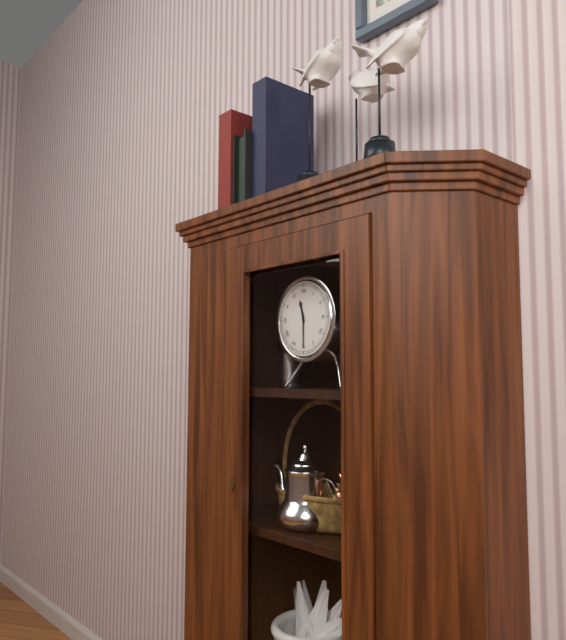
{"hour": 11, "minute": 30}
